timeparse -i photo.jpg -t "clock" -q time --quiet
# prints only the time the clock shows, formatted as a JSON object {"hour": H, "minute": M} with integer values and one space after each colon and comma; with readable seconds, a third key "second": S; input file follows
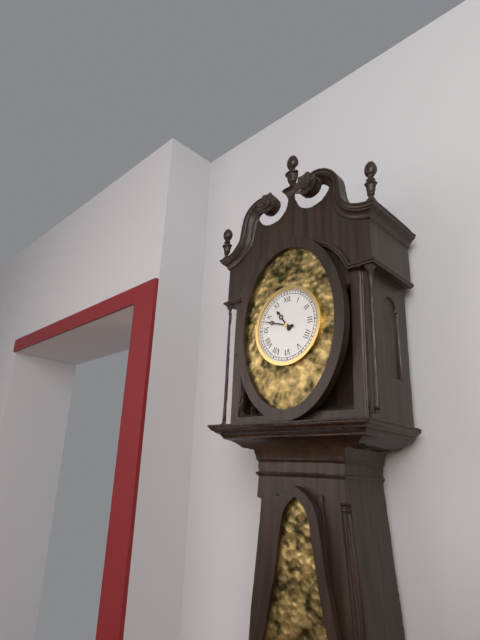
{"hour": 10, "minute": 48}
